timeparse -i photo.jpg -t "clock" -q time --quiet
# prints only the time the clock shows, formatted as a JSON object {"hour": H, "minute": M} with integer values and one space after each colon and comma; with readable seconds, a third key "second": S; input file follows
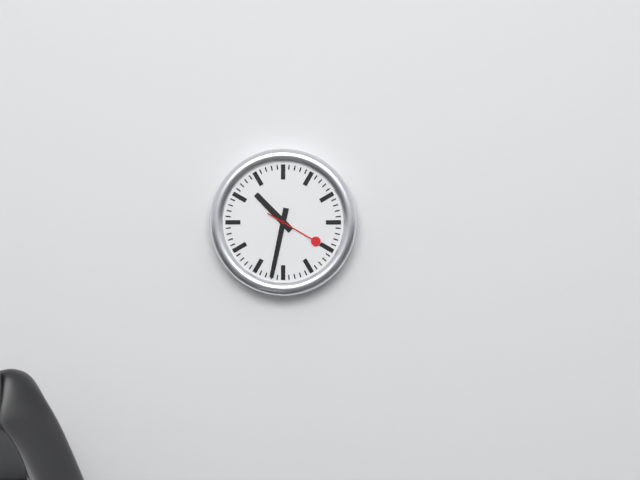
{"hour": 10, "minute": 32, "second": 20}
